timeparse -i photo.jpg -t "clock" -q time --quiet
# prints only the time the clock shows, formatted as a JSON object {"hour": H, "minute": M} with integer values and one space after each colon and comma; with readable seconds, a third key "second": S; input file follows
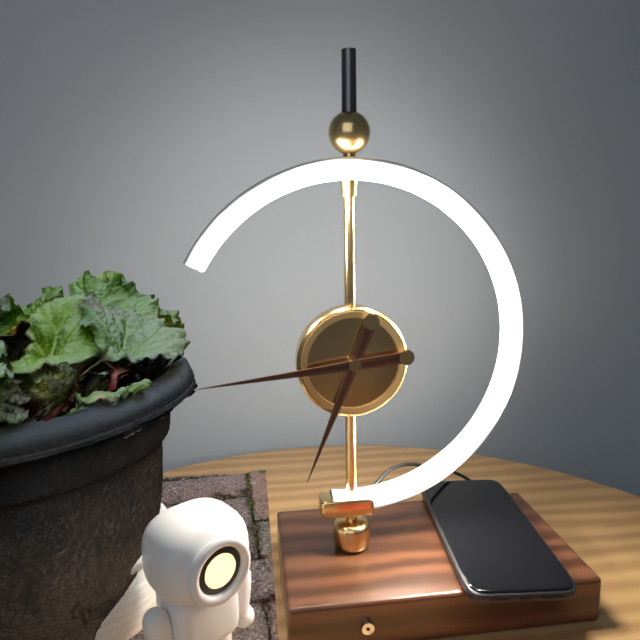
{"hour": 6, "minute": 44}
